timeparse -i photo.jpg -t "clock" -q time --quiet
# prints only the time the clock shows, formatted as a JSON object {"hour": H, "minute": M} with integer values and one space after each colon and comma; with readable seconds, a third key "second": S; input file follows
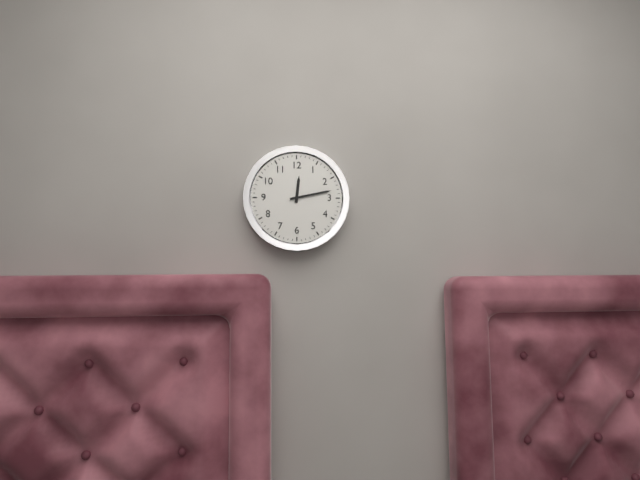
{"hour": 12, "minute": 13}
